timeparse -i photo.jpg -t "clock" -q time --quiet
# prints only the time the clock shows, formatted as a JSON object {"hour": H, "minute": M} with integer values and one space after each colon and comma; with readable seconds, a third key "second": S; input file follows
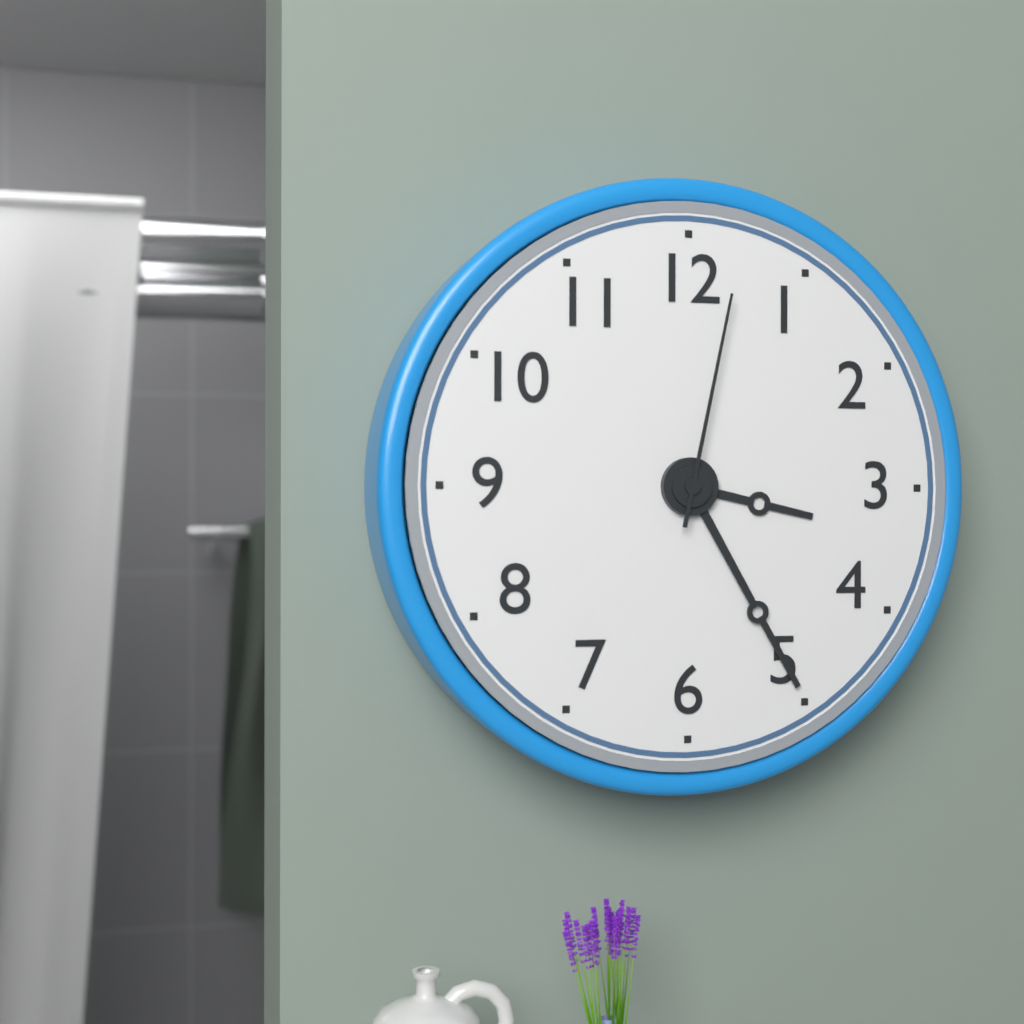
{"hour": 3, "minute": 25, "second": 2}
